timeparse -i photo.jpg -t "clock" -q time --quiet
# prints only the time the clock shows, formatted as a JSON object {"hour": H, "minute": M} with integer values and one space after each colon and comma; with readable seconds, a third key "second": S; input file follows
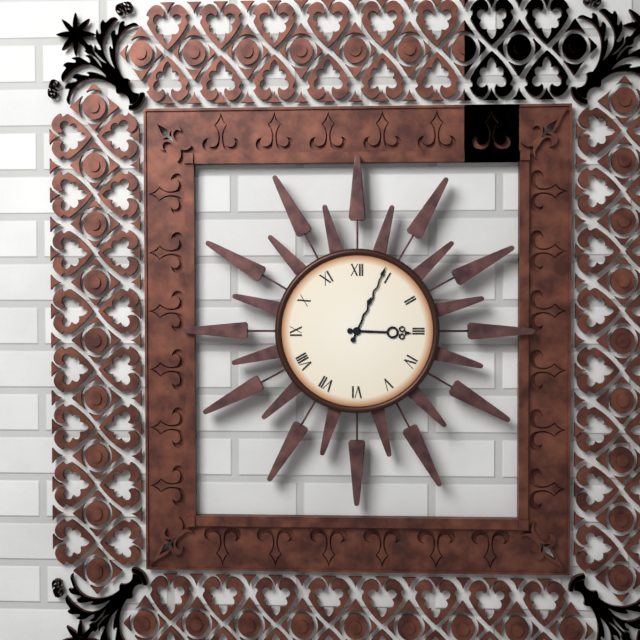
{"hour": 3, "minute": 4}
